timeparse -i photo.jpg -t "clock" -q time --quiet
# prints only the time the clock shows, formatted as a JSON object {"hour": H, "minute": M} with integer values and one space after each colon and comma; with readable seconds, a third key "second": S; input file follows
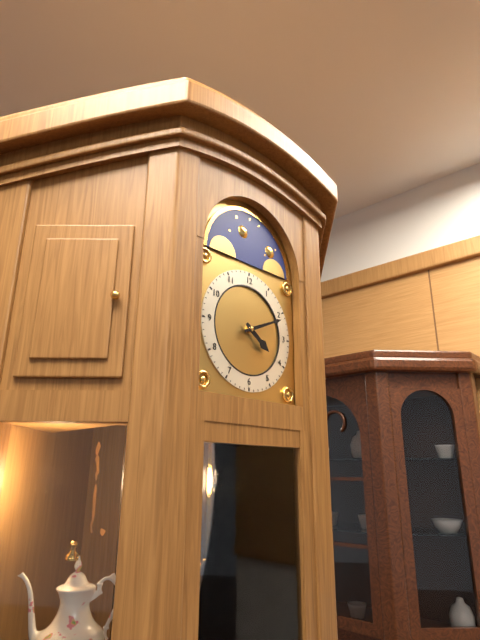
{"hour": 4, "minute": 11}
